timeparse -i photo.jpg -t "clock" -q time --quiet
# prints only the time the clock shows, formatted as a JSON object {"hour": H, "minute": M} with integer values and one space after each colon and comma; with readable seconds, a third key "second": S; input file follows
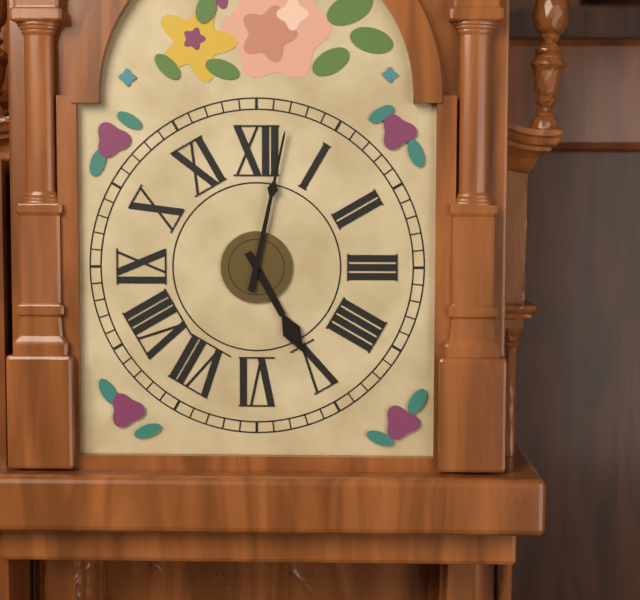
{"hour": 5, "minute": 2}
